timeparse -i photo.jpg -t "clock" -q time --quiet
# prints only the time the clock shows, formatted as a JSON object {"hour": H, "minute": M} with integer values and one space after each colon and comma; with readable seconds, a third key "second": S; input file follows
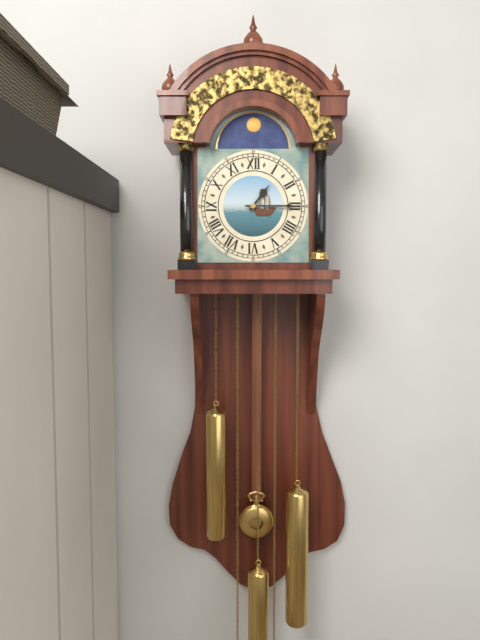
{"hour": 1, "minute": 15}
